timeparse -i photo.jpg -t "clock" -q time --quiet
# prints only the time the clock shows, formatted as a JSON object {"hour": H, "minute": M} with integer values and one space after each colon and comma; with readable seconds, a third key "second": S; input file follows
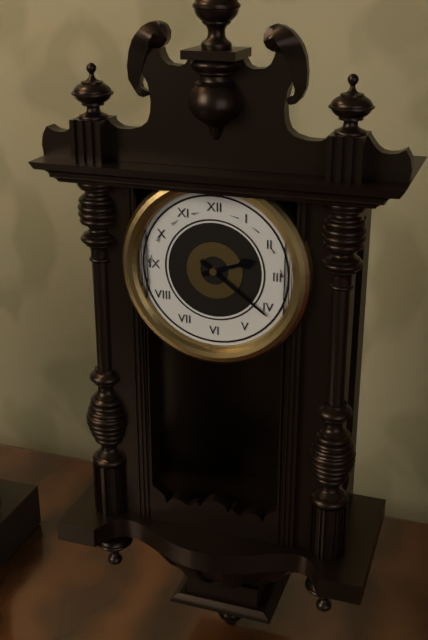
{"hour": 2, "minute": 21}
